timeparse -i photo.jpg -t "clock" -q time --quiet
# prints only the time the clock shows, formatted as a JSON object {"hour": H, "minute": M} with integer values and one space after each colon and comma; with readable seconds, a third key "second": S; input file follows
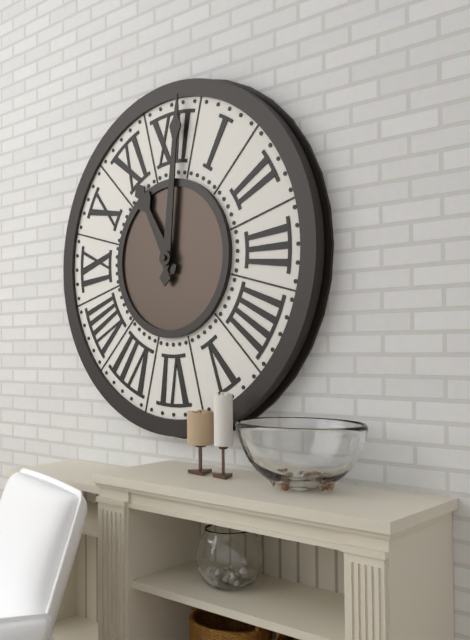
{"hour": 11, "minute": 1}
